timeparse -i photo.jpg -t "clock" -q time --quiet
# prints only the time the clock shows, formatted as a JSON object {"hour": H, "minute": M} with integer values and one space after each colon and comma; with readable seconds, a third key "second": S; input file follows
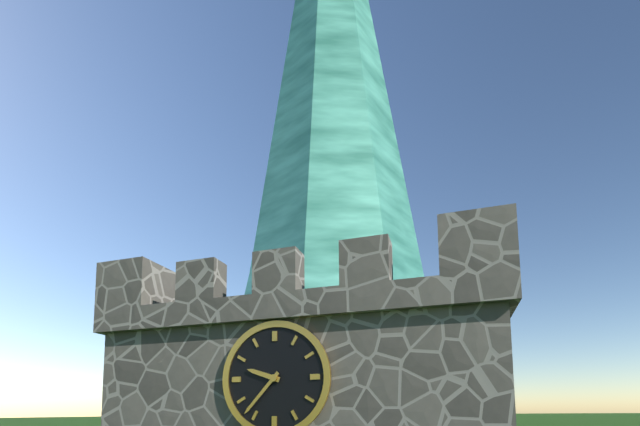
{"hour": 9, "minute": 37}
